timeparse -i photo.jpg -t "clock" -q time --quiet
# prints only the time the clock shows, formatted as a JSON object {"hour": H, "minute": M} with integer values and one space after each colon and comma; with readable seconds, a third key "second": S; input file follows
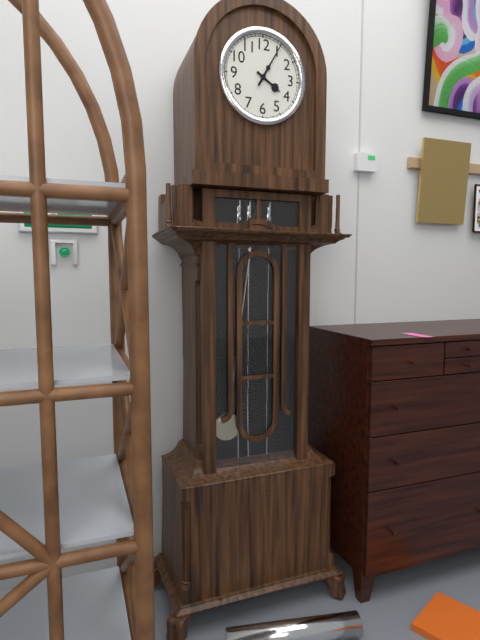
{"hour": 4, "minute": 5}
